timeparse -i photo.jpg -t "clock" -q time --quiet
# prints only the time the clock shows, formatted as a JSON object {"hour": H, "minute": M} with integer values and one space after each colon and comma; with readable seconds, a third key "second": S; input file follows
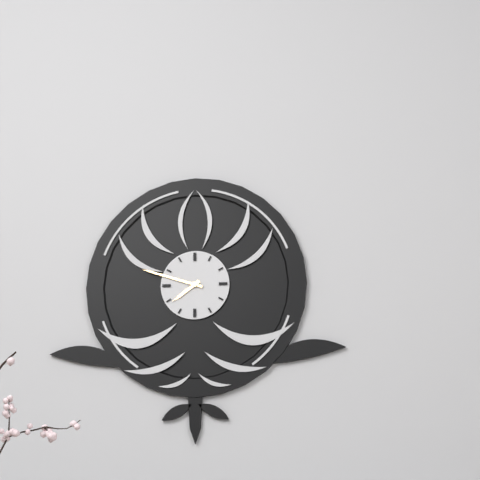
{"hour": 7, "minute": 48}
